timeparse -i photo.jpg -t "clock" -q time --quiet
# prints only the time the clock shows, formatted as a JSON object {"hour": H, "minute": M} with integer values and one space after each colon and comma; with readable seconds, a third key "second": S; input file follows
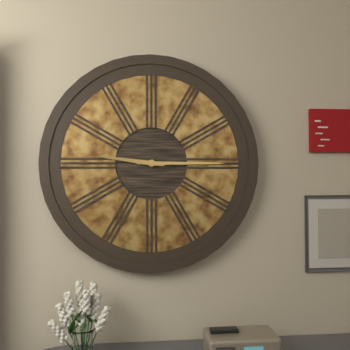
{"hour": 9, "minute": 15}
